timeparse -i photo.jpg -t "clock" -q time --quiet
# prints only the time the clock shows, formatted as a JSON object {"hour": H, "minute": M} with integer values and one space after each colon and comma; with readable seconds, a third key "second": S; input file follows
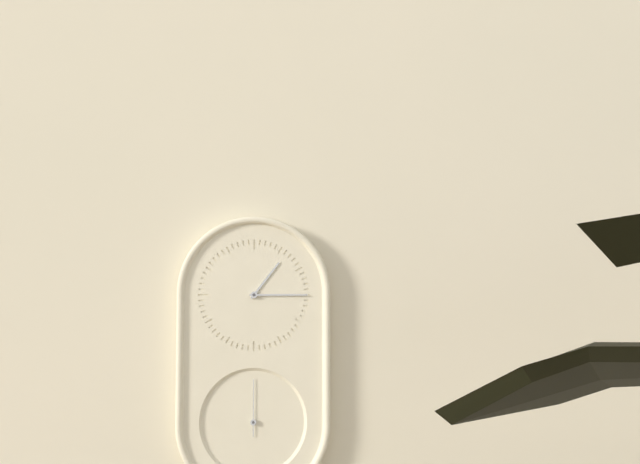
{"hour": 1, "minute": 15, "second": 0}
